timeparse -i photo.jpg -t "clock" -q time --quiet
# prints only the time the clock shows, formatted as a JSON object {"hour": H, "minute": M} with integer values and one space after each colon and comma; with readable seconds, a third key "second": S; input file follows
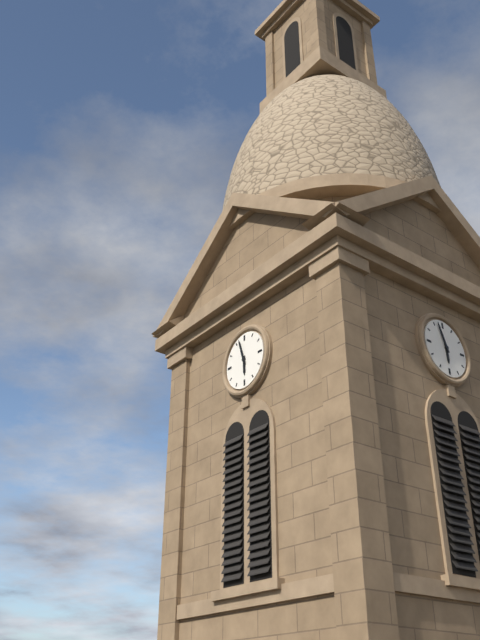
{"hour": 5, "minute": 57}
